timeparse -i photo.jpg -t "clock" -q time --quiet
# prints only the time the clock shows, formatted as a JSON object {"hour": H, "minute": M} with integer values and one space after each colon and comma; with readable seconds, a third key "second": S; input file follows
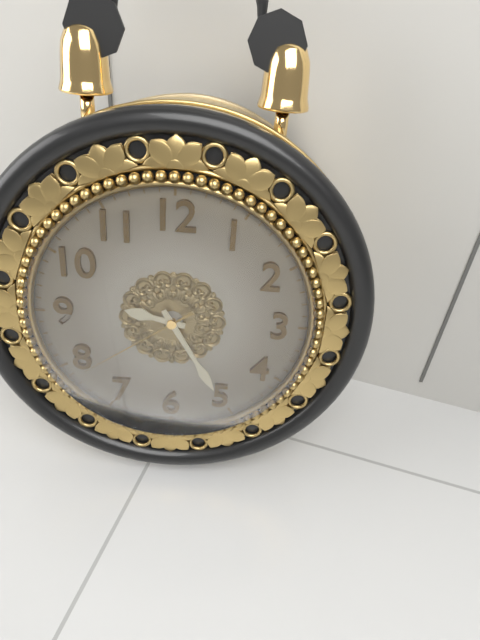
{"hour": 9, "minute": 25, "second": 39}
